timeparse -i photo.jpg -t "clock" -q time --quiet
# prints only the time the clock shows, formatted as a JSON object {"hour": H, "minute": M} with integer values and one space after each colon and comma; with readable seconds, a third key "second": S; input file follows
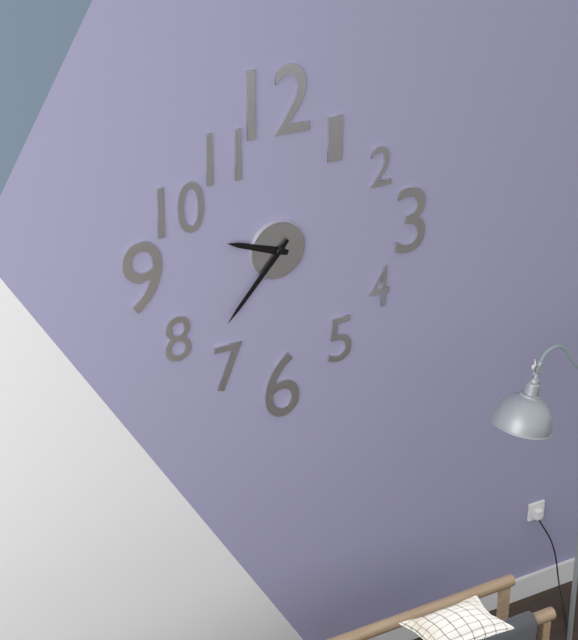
{"hour": 9, "minute": 37}
